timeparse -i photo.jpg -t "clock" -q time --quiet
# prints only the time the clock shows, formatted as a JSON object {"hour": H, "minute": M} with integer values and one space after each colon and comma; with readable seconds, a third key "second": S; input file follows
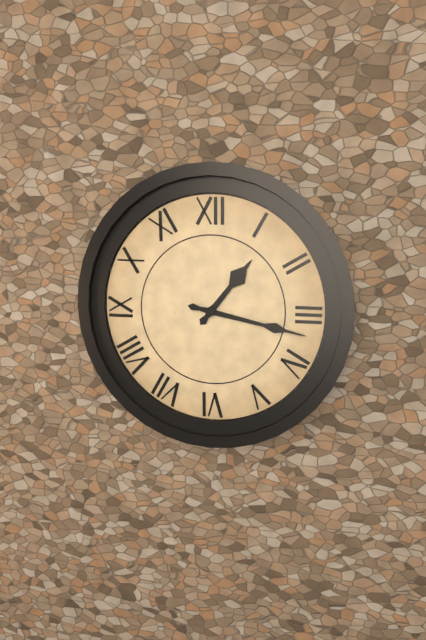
{"hour": 1, "minute": 17}
